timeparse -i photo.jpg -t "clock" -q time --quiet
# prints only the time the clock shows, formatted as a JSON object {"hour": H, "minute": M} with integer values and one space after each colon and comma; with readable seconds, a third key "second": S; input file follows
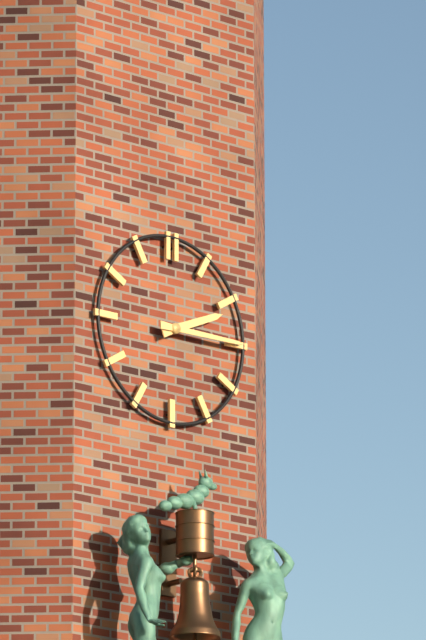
{"hour": 2, "minute": 15}
